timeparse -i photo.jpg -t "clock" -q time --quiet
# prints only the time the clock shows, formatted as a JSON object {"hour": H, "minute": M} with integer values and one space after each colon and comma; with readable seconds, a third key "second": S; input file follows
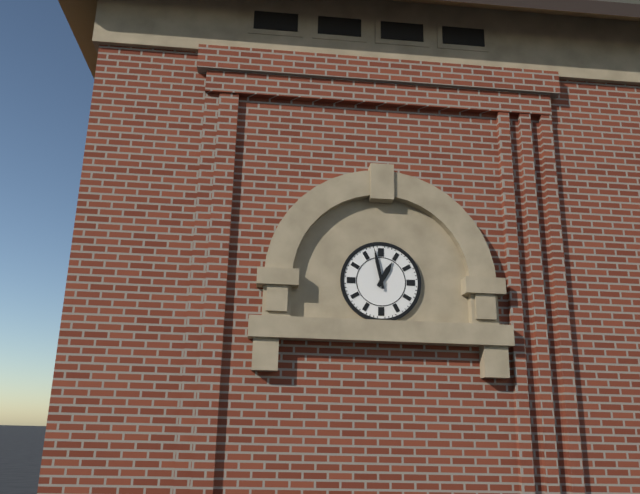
{"hour": 12, "minute": 58}
